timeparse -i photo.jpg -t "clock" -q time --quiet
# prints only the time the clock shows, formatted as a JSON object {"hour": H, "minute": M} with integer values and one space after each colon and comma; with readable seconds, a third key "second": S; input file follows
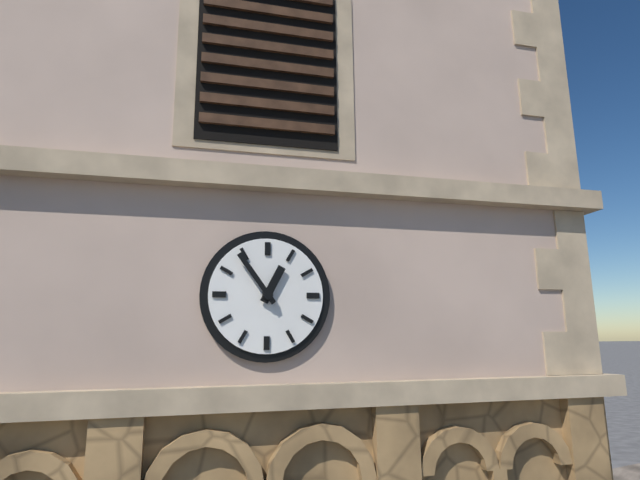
{"hour": 12, "minute": 54}
